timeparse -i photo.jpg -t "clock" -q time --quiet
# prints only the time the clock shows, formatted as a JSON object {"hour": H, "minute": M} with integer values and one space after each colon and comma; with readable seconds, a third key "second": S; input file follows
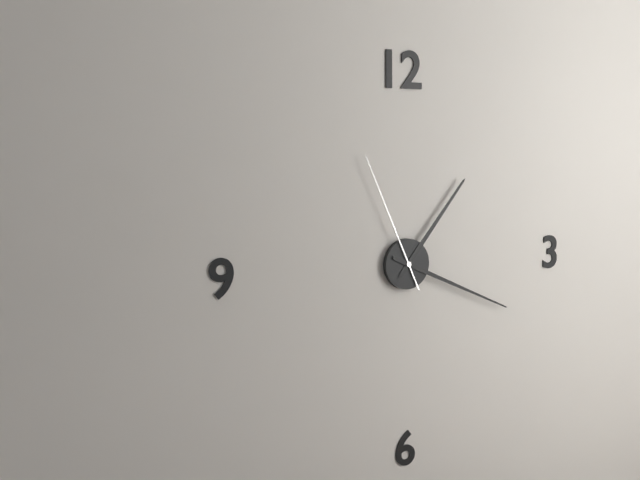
{"hour": 1, "minute": 19, "second": 56}
